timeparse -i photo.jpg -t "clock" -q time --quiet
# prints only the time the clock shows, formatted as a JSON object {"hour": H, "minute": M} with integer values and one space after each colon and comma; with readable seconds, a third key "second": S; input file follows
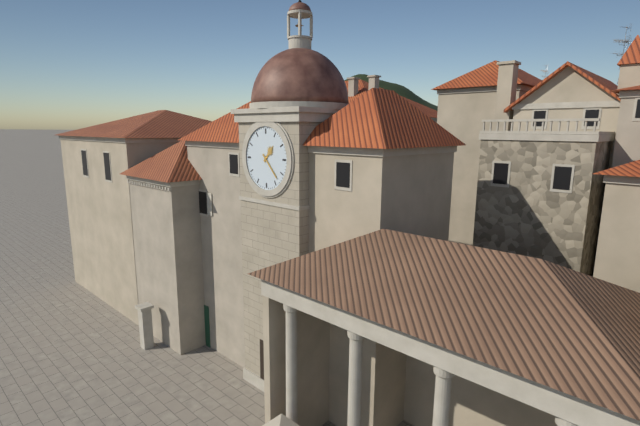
{"hour": 1, "minute": 23}
